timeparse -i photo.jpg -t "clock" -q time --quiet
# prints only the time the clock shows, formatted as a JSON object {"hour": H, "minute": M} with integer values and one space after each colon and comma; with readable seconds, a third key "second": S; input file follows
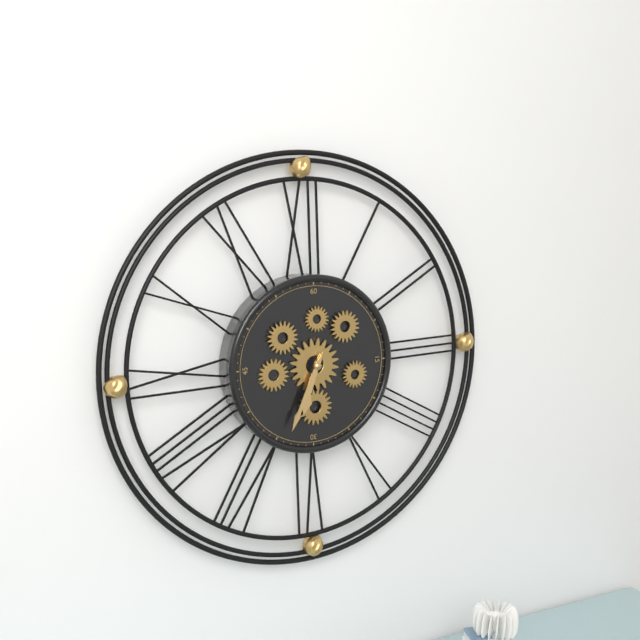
{"hour": 6, "minute": 34}
